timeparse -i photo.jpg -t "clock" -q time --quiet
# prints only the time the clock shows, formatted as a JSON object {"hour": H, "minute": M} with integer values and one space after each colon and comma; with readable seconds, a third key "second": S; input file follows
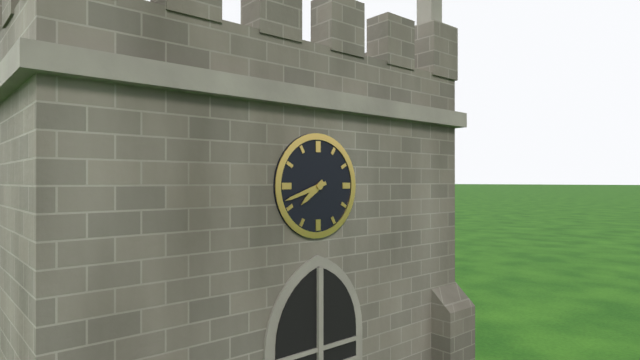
{"hour": 7, "minute": 42}
